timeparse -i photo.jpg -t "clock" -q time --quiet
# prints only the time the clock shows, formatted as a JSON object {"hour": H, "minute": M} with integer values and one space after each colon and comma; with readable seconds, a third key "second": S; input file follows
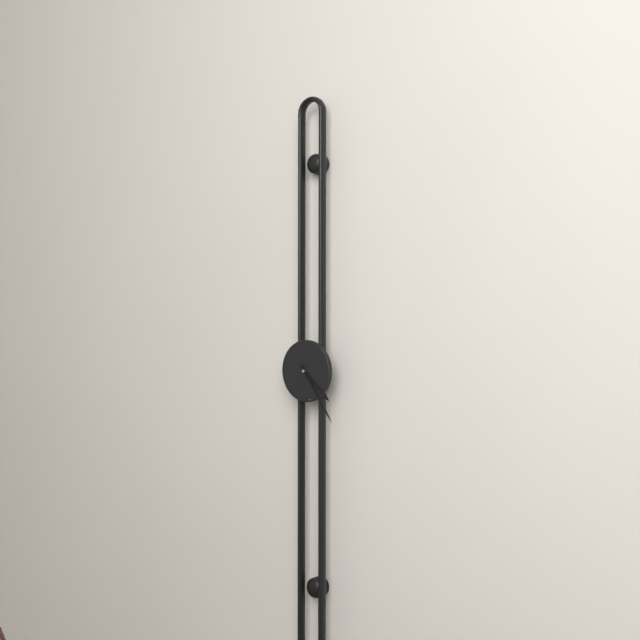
{"hour": 4, "minute": 24}
